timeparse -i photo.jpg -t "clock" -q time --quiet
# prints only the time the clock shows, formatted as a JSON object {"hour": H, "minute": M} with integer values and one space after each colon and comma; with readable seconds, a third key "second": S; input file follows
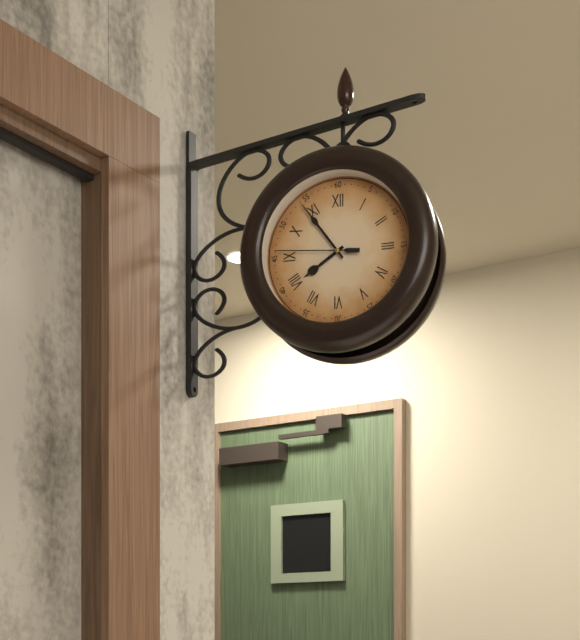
{"hour": 7, "minute": 54, "second": 46}
